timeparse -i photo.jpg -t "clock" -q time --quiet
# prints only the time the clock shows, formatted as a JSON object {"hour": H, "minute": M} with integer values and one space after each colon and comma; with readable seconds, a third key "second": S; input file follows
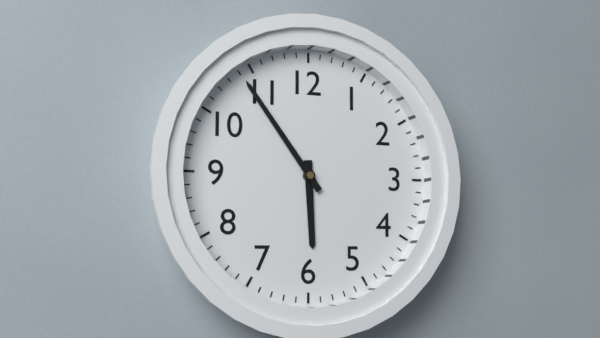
{"hour": 5, "minute": 54}
